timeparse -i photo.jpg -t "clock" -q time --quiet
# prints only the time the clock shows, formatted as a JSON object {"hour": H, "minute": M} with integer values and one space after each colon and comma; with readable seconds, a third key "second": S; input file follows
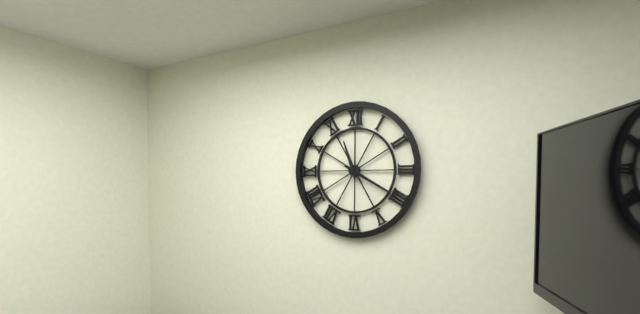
{"hour": 11, "minute": 20}
